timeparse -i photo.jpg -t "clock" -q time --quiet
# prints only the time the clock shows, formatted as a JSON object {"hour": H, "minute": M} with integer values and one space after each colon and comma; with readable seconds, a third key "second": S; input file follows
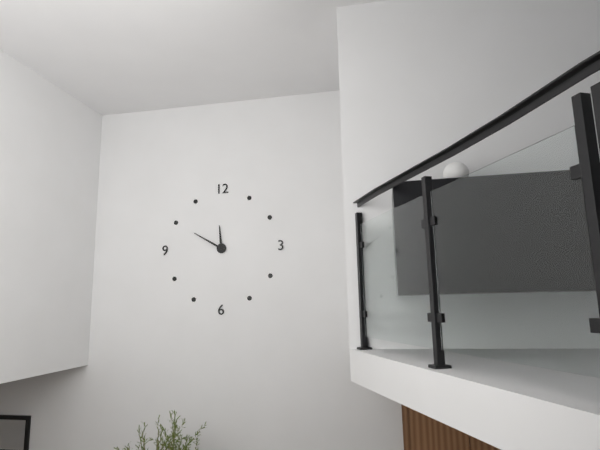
{"hour": 11, "minute": 50}
